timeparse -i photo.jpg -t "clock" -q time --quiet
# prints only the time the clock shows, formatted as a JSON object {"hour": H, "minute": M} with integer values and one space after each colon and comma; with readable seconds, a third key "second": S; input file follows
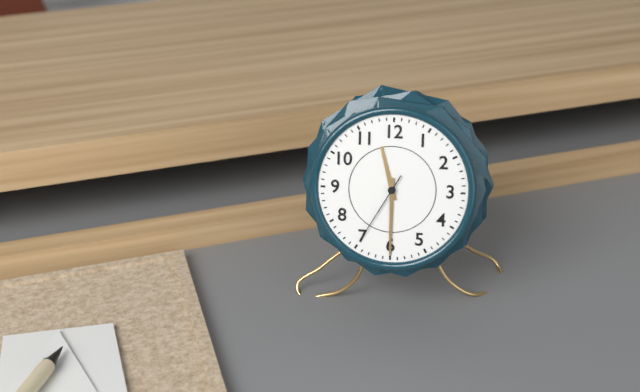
{"hour": 11, "minute": 30, "second": 35}
